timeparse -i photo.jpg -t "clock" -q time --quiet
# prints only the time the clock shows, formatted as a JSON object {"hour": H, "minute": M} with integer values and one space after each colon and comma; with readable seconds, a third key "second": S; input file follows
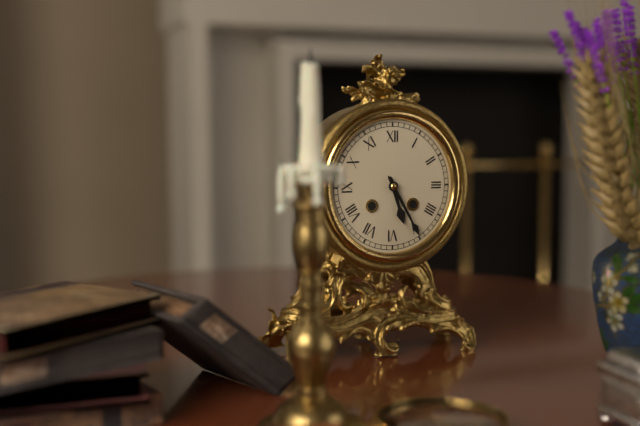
{"hour": 5, "minute": 25}
